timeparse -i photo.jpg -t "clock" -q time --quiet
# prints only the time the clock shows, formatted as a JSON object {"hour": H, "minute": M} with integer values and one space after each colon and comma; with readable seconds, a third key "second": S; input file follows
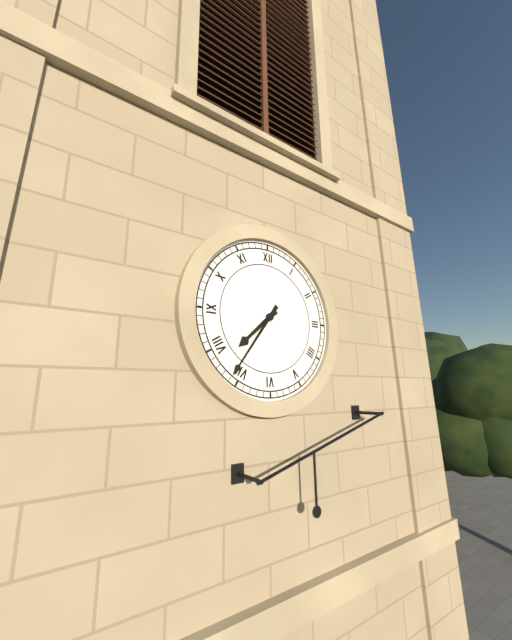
{"hour": 7, "minute": 36}
